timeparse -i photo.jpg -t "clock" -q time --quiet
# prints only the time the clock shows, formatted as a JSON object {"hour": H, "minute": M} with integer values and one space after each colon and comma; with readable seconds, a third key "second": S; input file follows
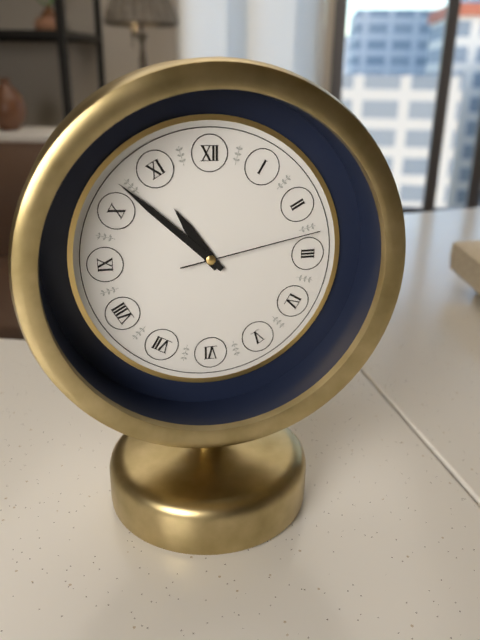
{"hour": 10, "minute": 52, "second": 13}
